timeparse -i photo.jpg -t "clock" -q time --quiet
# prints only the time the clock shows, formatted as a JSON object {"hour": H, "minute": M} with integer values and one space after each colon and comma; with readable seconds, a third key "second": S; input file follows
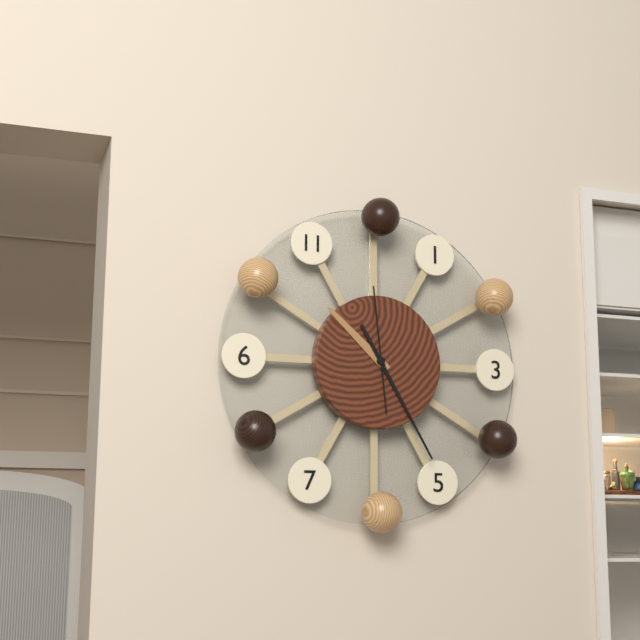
{"hour": 10, "minute": 25, "second": 59}
